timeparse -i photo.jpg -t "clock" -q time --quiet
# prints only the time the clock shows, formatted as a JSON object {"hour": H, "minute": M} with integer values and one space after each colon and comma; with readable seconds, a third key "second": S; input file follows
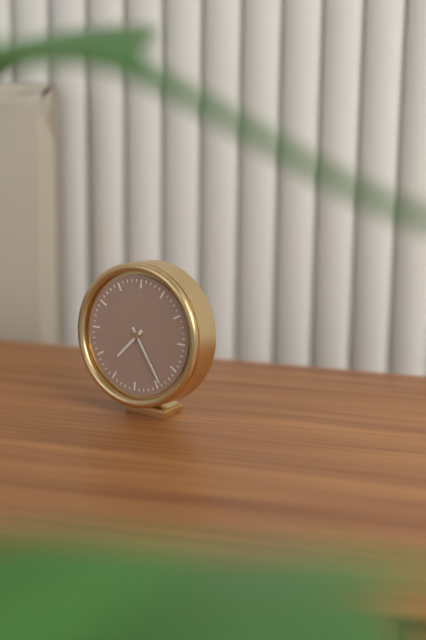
{"hour": 7, "minute": 24}
